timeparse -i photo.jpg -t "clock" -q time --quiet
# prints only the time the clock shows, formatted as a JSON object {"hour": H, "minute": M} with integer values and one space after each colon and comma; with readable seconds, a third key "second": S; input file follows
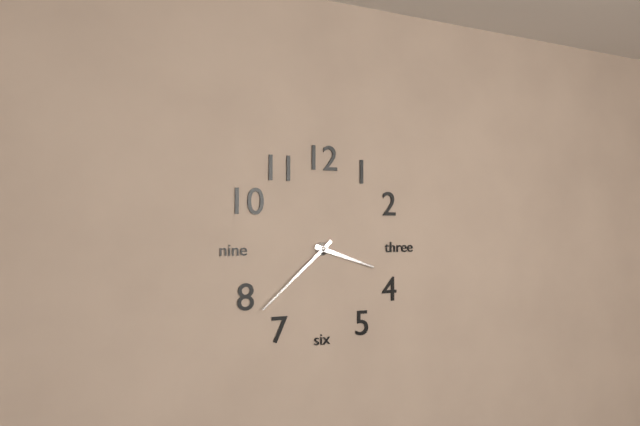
{"hour": 3, "minute": 38}
